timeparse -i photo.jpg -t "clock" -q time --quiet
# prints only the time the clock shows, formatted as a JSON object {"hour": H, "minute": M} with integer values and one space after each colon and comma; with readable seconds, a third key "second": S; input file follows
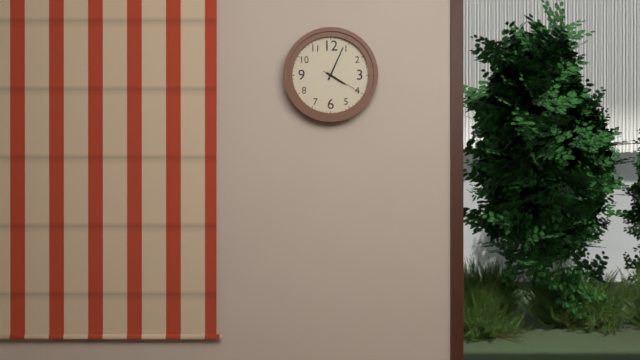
{"hour": 4, "minute": 4}
